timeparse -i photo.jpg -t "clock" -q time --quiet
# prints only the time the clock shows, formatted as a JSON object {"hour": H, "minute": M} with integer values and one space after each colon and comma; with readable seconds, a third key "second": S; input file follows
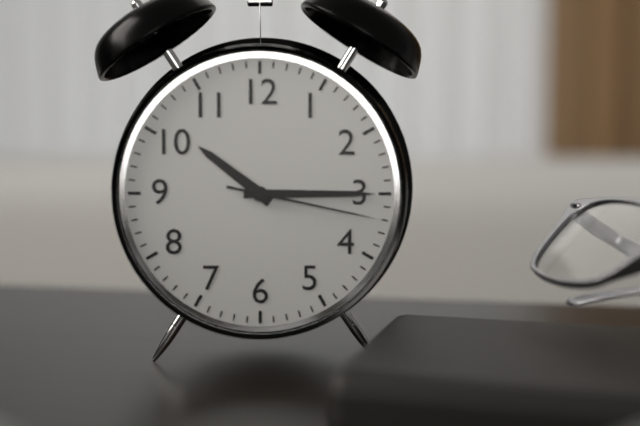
{"hour": 10, "minute": 15, "second": 17}
